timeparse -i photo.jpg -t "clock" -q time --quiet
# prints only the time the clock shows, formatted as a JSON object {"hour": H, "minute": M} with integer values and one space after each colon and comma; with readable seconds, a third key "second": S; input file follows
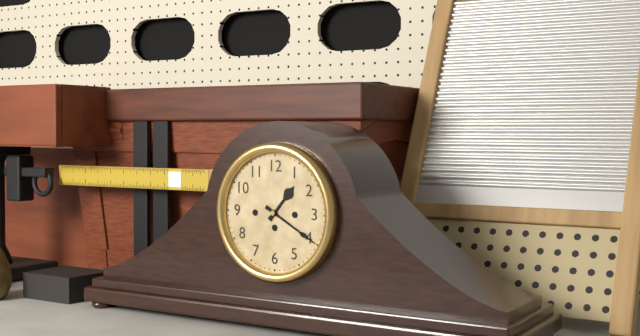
{"hour": 1, "minute": 20}
